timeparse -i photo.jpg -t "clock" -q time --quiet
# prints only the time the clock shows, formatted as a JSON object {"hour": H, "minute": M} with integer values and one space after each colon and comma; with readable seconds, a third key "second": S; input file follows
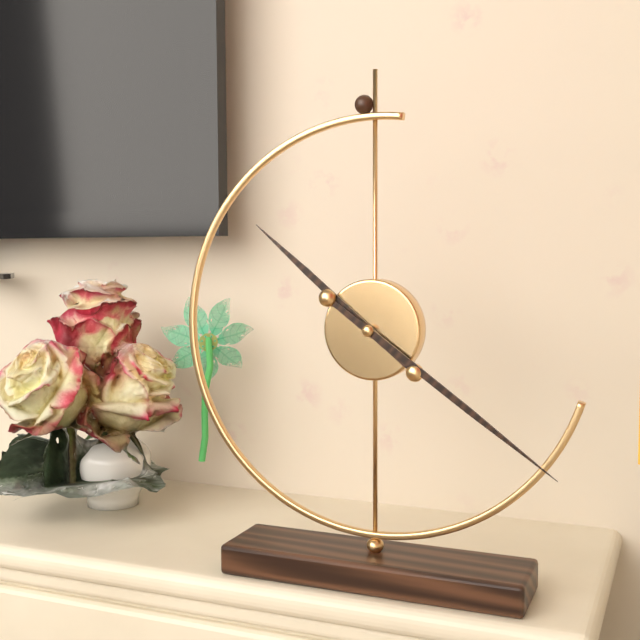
{"hour": 10, "minute": 21}
